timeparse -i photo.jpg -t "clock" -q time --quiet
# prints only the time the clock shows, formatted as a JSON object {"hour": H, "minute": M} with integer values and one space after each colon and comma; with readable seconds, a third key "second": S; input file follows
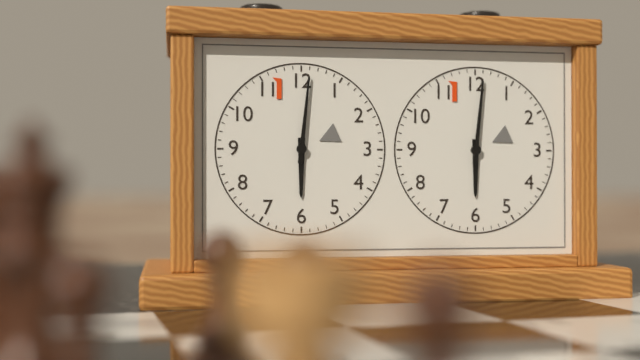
{"hour": 6, "minute": 1}
